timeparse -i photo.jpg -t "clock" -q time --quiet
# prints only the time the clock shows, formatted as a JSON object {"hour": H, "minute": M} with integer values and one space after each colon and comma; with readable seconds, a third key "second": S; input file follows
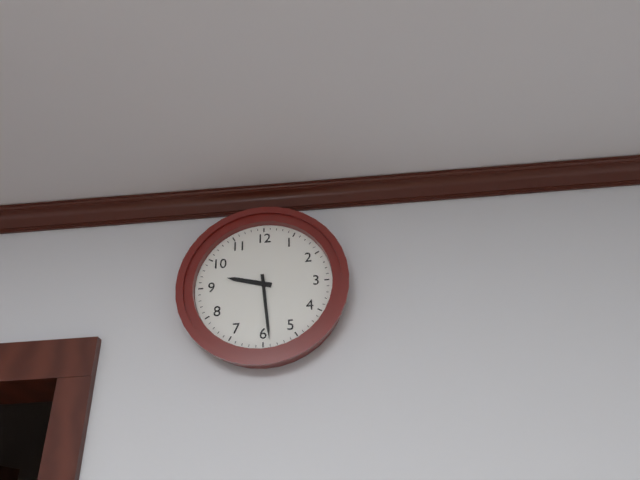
{"hour": 9, "minute": 29}
